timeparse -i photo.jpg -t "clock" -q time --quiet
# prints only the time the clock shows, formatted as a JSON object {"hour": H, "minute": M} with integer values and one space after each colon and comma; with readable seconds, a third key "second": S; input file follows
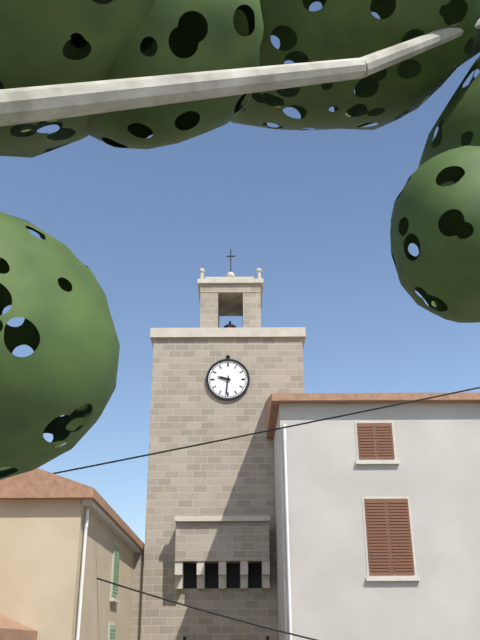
{"hour": 9, "minute": 31}
